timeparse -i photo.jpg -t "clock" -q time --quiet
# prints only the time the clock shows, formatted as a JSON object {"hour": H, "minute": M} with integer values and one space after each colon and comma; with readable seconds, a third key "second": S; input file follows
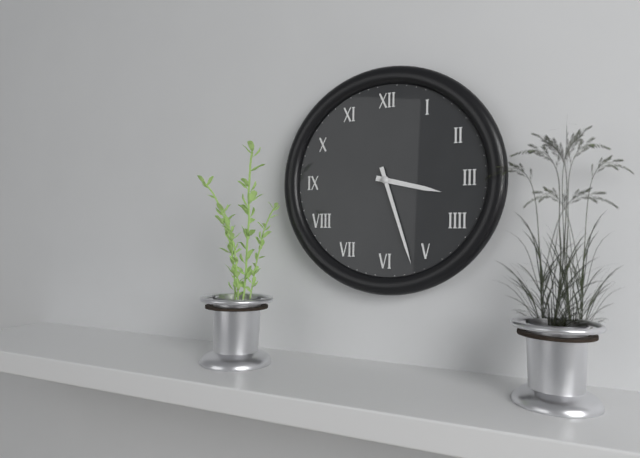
{"hour": 3, "minute": 27}
